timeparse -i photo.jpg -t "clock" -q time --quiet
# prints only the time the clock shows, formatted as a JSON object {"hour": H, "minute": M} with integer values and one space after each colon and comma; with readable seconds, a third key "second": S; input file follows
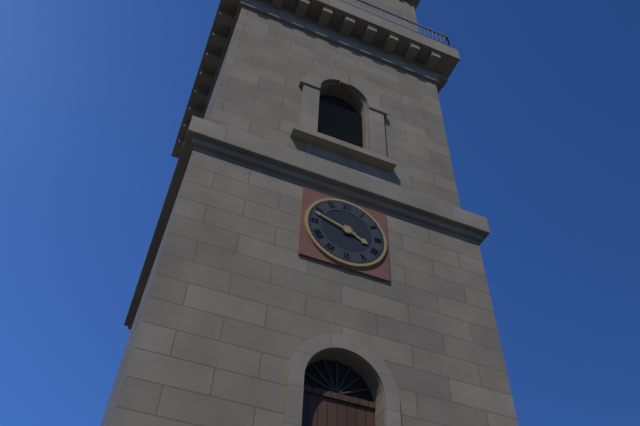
{"hour": 3, "minute": 48}
